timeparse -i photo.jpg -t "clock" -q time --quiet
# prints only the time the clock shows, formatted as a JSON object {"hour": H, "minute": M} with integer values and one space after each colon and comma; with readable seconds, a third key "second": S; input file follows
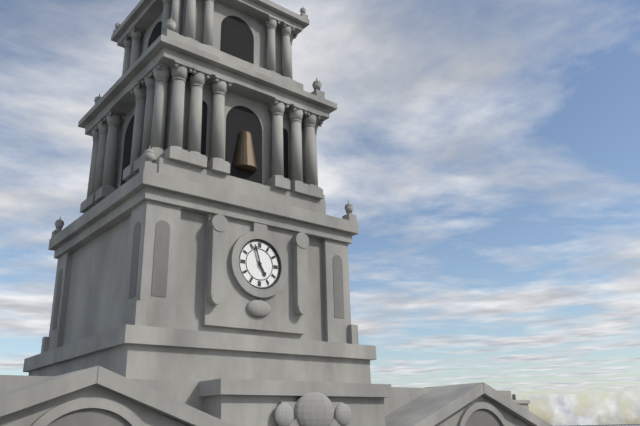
{"hour": 4, "minute": 57}
